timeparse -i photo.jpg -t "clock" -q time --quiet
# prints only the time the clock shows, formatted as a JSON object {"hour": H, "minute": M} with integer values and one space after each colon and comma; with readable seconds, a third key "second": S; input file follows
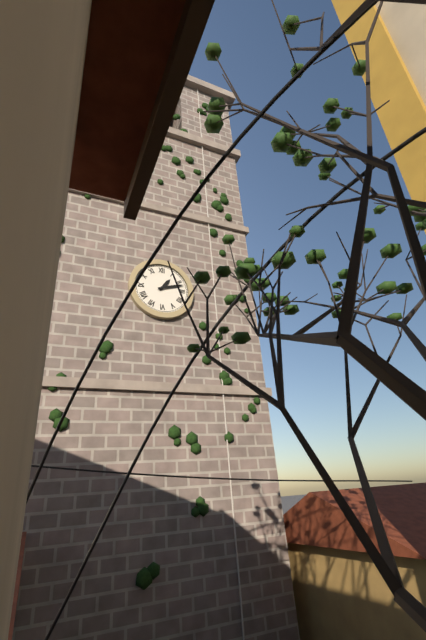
{"hour": 1, "minute": 12}
